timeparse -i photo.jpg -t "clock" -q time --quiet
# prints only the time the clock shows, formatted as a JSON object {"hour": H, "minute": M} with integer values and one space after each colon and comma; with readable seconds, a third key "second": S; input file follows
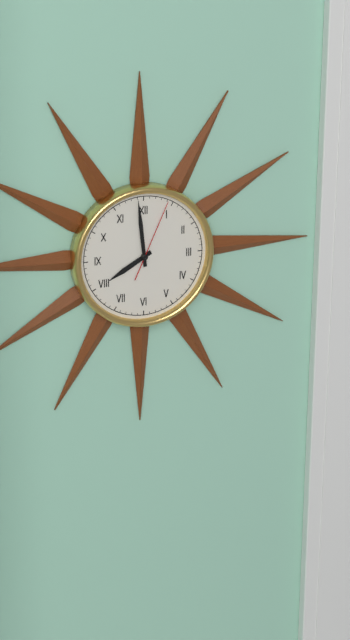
{"hour": 7, "minute": 59, "second": 4}
